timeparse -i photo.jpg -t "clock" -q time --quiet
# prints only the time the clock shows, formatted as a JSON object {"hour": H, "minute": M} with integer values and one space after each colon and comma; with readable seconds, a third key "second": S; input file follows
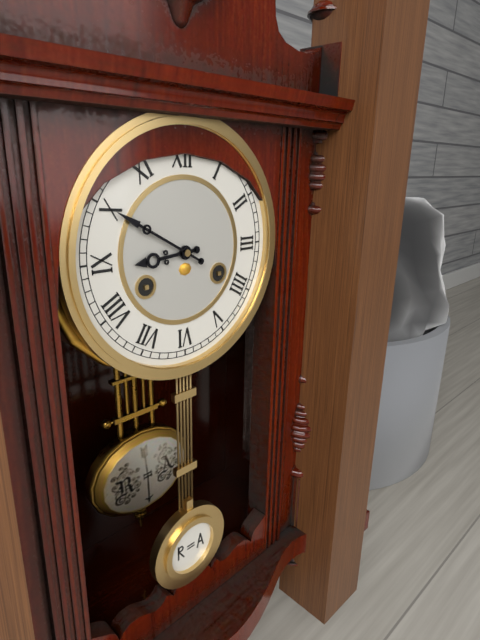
{"hour": 8, "minute": 50}
